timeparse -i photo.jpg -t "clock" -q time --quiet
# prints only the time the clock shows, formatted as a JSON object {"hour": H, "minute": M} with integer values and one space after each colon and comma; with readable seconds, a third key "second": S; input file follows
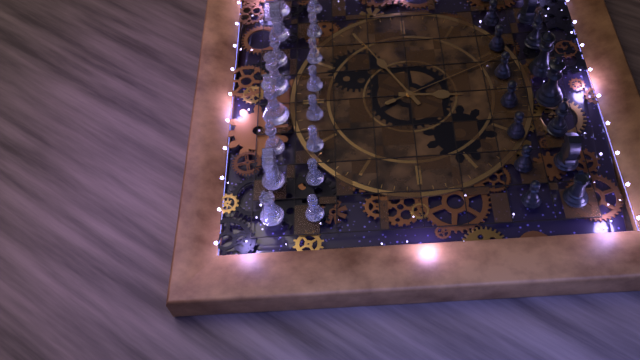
{"hour": 6, "minute": 10, "second": 26}
